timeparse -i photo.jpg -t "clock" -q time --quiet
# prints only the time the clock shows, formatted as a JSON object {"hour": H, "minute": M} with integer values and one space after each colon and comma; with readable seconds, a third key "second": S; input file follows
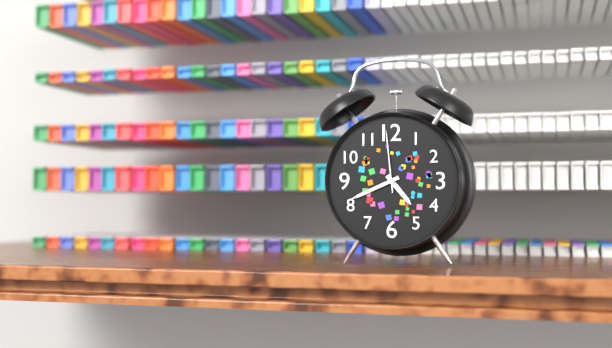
{"hour": 4, "minute": 41, "second": 59}
